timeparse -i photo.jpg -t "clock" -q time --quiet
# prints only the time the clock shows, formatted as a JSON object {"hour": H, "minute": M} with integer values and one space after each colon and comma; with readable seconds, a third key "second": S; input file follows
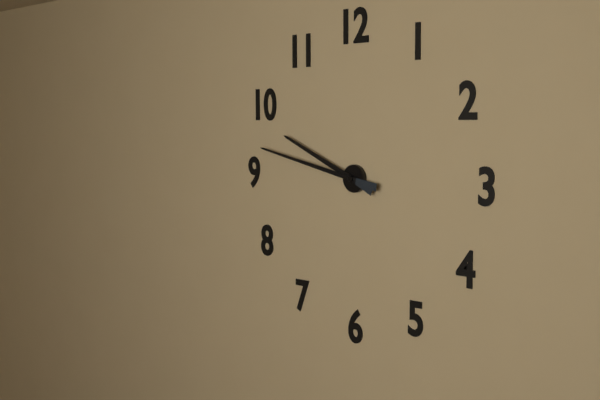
{"hour": 9, "minute": 47}
